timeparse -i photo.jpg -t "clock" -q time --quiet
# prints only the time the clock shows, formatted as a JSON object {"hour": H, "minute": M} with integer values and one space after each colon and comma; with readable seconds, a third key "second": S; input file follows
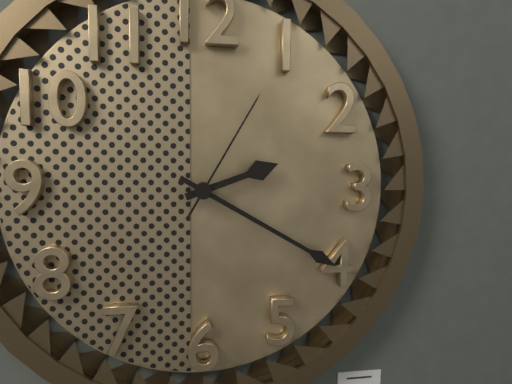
{"hour": 2, "minute": 20, "second": 5}
